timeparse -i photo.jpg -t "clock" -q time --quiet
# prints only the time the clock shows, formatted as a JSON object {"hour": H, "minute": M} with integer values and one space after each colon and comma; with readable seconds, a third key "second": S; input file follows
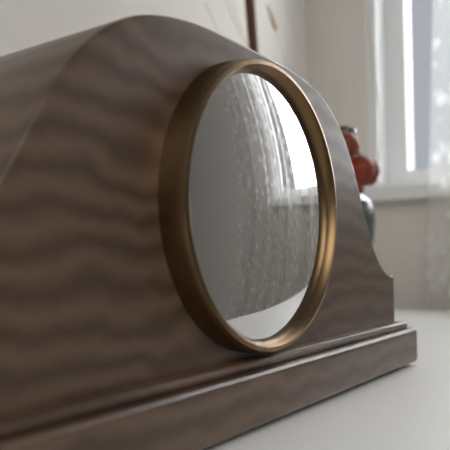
{"hour": 8, "minute": 50}
